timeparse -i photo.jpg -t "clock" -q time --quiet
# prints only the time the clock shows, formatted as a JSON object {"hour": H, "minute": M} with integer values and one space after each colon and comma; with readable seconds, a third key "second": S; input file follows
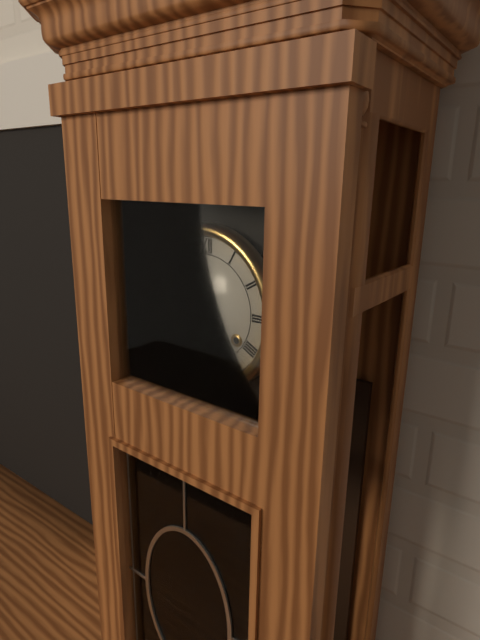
{"hour": 6, "minute": 26}
